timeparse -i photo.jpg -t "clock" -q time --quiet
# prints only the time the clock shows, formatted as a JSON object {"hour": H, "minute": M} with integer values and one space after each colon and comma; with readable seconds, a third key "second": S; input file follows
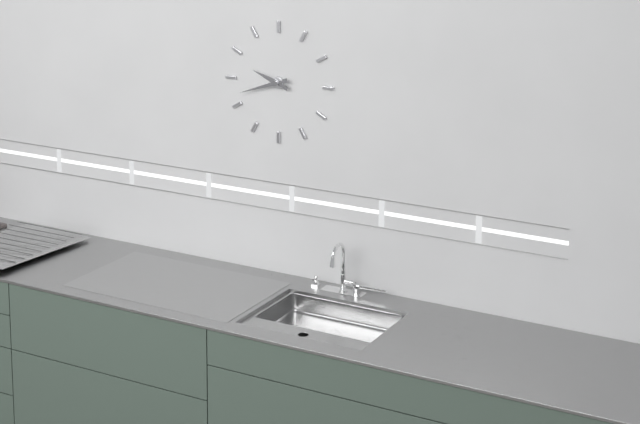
{"hour": 9, "minute": 42}
